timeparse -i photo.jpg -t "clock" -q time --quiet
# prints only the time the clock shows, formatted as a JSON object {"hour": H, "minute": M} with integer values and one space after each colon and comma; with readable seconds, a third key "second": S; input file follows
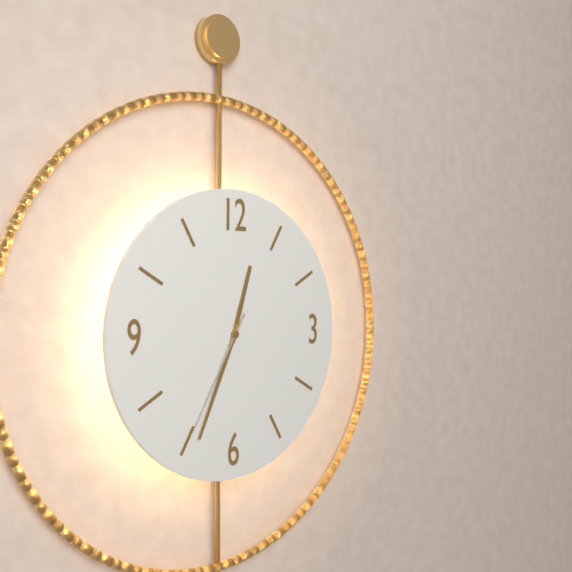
{"hour": 12, "minute": 34, "second": 35}
